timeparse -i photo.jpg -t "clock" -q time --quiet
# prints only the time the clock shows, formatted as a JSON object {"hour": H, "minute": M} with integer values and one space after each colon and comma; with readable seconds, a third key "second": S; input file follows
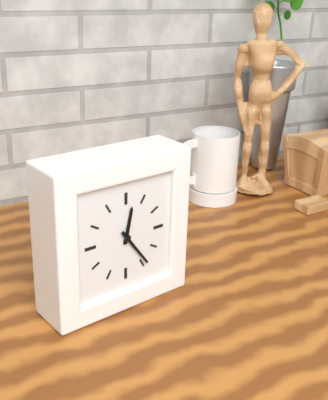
{"hour": 12, "minute": 24}
